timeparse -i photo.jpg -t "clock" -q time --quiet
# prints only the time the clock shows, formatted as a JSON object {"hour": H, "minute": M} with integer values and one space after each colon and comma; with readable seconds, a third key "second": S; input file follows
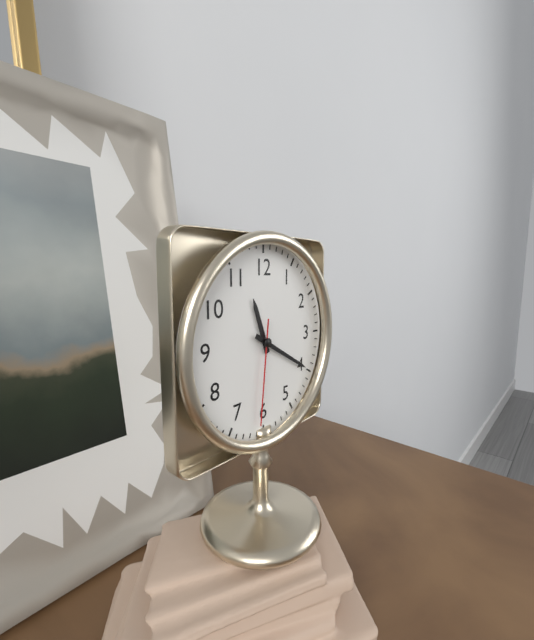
{"hour": 11, "minute": 20, "second": 31}
